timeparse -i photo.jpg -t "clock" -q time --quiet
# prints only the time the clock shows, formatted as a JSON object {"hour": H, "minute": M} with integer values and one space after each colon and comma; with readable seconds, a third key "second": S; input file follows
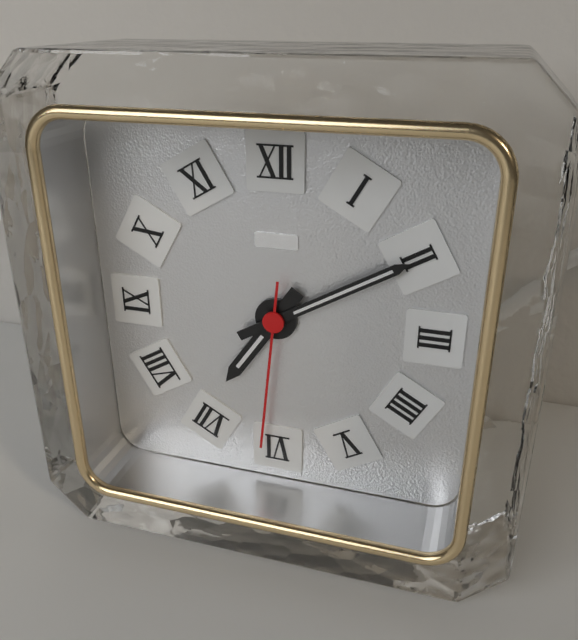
{"hour": 7, "minute": 10, "second": 31}
